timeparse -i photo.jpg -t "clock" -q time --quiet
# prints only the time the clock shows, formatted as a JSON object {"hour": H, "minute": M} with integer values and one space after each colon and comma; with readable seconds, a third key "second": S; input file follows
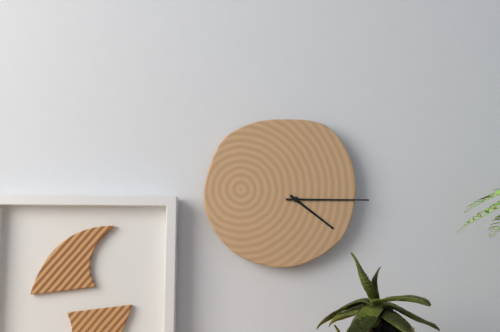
{"hour": 4, "minute": 15}
